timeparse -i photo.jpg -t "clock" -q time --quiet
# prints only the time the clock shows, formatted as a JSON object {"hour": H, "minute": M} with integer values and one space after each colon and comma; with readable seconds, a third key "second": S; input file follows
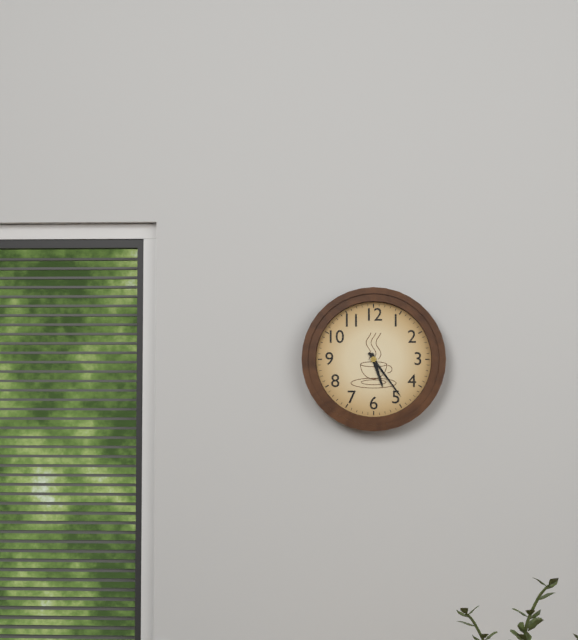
{"hour": 5, "minute": 24}
